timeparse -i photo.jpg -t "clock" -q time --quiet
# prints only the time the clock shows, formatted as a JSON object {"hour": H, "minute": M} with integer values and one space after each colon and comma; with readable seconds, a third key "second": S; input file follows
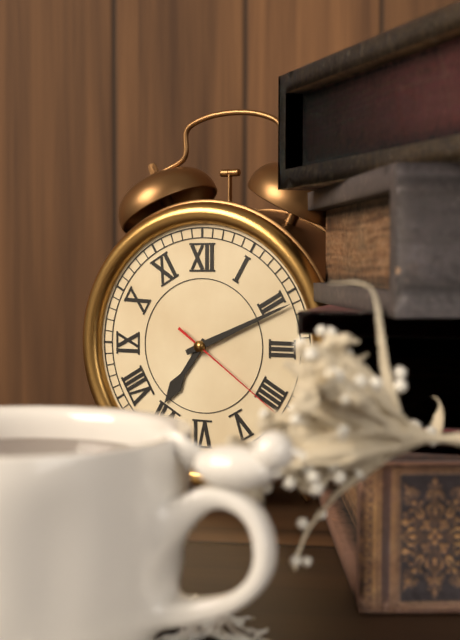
{"hour": 7, "minute": 11, "second": 21}
